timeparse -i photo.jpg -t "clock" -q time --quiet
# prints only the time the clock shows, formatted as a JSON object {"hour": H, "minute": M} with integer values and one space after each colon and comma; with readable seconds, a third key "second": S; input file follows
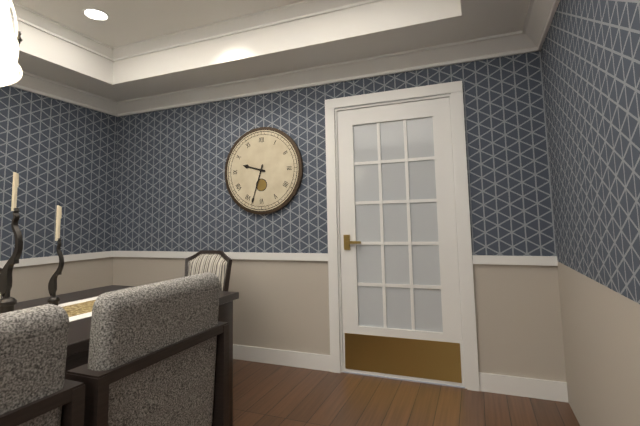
{"hour": 9, "minute": 33}
